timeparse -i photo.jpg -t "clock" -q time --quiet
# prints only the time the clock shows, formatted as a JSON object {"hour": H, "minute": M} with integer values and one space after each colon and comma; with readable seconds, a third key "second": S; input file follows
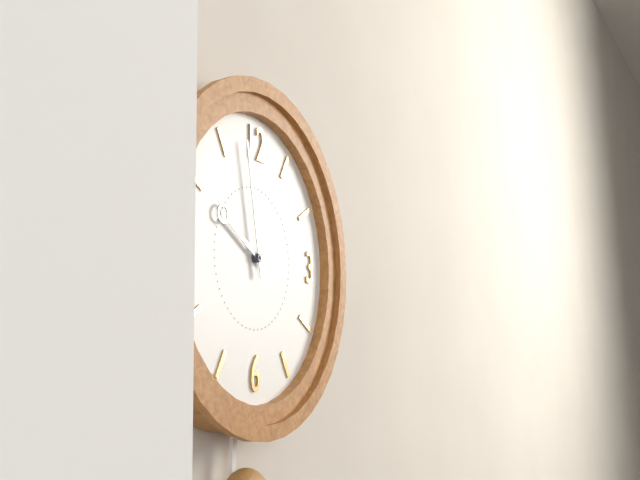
{"hour": 9, "minute": 58}
